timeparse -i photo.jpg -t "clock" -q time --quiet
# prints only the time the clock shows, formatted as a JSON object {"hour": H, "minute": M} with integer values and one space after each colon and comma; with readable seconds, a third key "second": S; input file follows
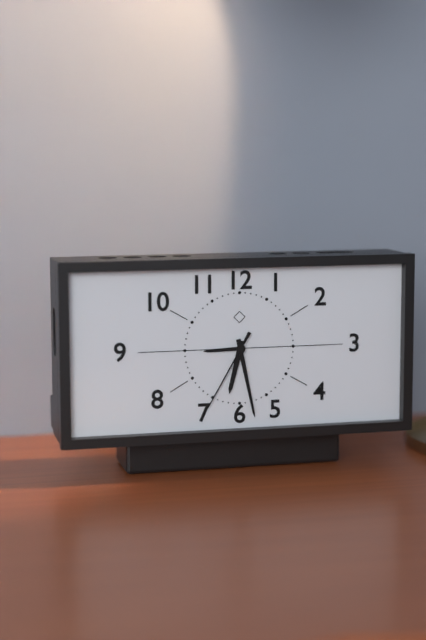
{"hour": 6, "minute": 28, "second": 35}
